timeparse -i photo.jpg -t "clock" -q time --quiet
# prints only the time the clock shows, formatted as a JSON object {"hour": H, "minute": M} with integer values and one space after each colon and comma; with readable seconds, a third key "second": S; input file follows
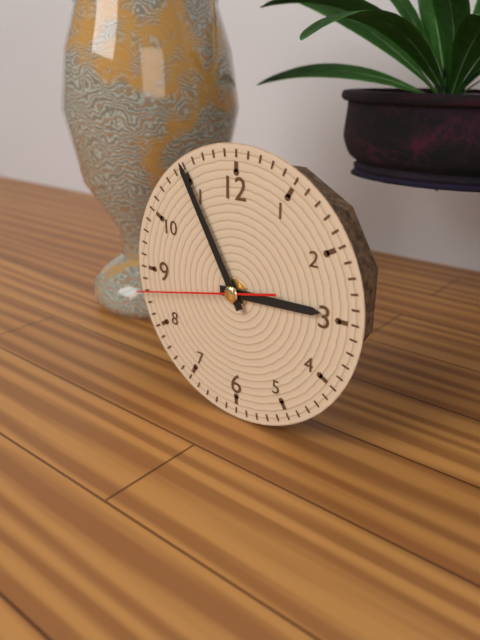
{"hour": 2, "minute": 55, "second": 43}
